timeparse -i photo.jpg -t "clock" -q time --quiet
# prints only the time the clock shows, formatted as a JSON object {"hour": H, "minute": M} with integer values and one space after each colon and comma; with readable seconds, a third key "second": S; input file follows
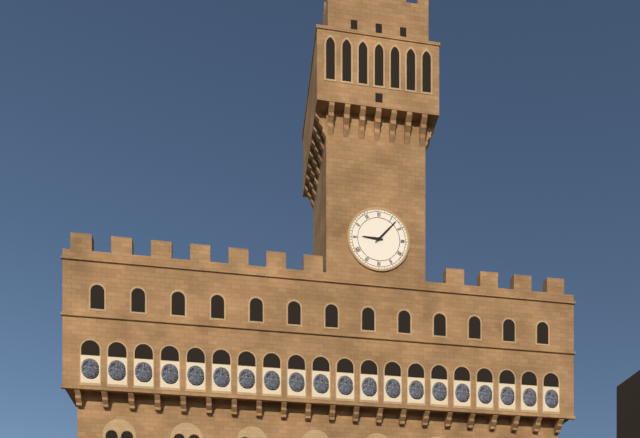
{"hour": 9, "minute": 7}
